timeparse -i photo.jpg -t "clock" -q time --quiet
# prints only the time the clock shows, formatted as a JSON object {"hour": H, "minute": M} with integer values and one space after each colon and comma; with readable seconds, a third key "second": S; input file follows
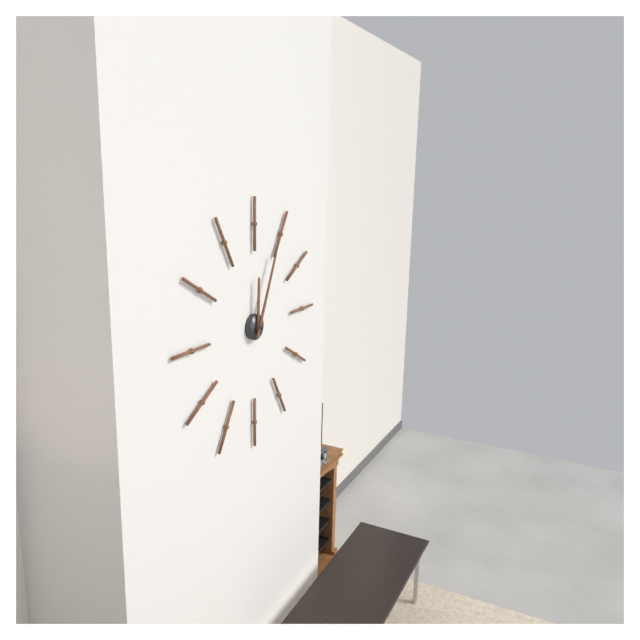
{"hour": 12, "minute": 4}
